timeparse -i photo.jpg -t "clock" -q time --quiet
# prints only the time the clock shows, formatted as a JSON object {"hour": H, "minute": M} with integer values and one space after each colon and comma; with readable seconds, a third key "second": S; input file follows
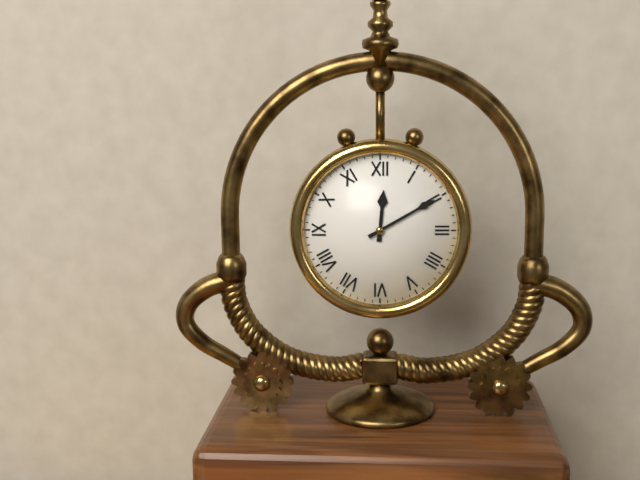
{"hour": 12, "minute": 10}
